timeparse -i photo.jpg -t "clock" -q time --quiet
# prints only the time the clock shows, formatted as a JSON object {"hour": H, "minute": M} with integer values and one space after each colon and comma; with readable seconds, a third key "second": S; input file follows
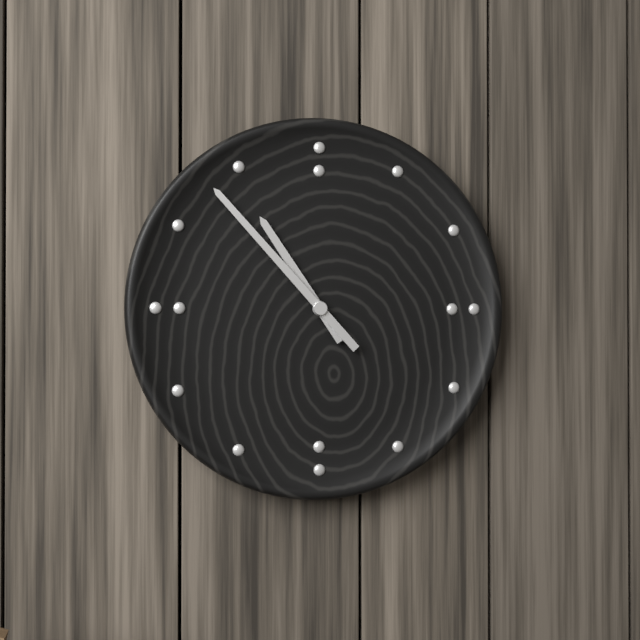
{"hour": 10, "minute": 53}
